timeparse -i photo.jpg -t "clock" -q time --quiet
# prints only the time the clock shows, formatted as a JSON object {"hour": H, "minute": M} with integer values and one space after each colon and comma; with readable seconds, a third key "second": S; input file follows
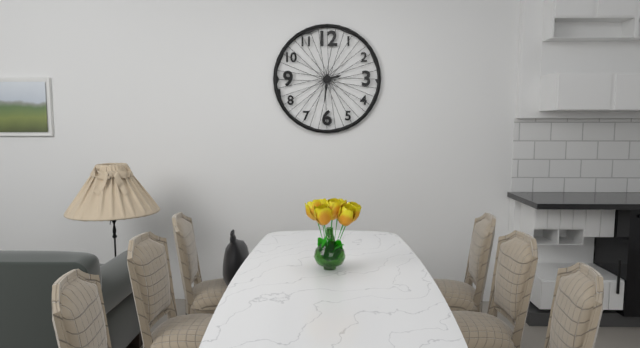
{"hour": 2, "minute": 31}
